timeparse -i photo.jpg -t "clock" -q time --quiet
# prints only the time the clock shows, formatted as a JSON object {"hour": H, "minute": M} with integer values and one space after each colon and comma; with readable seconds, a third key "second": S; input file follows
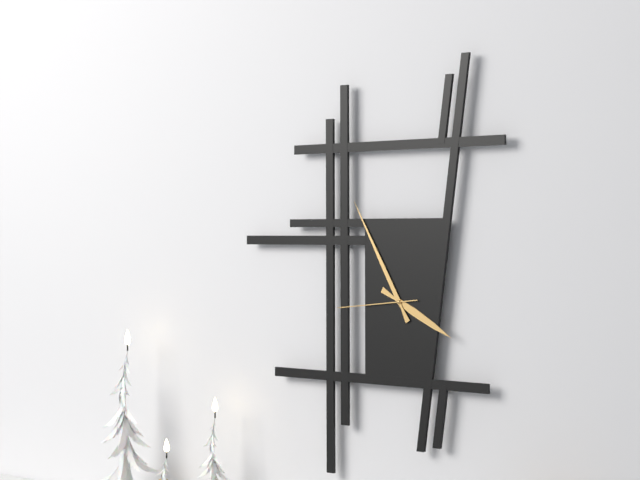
{"hour": 3, "minute": 55, "second": 44}
